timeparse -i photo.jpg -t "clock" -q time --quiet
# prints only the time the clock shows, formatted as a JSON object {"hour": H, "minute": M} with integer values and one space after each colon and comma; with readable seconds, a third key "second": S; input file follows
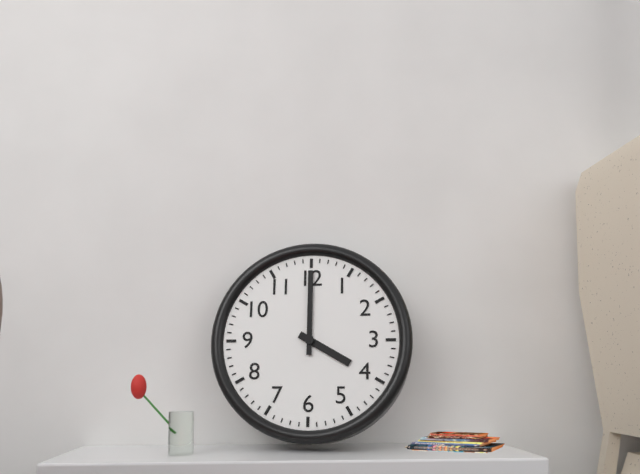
{"hour": 4, "minute": 0}
